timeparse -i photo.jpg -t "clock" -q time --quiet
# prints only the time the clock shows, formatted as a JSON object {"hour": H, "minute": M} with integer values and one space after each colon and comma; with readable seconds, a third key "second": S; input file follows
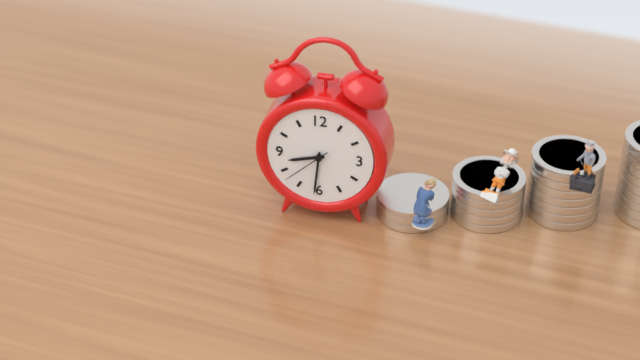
{"hour": 8, "minute": 31, "second": 38}
